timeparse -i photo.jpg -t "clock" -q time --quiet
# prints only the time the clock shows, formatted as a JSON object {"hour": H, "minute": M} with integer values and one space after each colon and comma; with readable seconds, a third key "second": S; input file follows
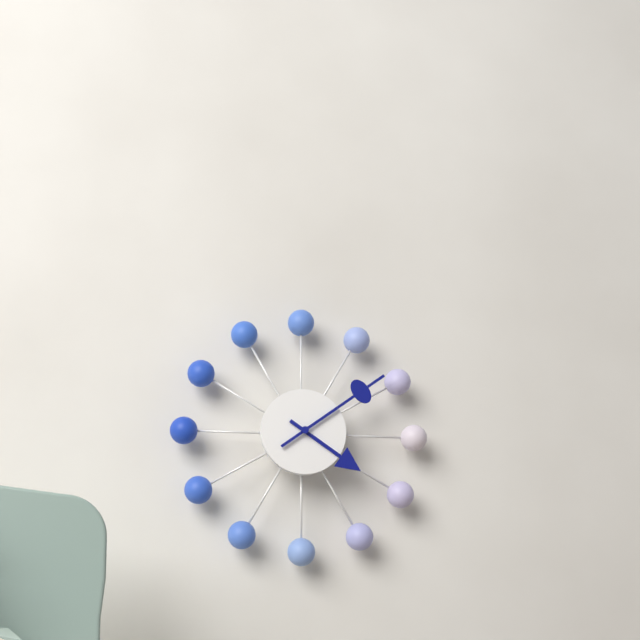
{"hour": 4, "minute": 9}
